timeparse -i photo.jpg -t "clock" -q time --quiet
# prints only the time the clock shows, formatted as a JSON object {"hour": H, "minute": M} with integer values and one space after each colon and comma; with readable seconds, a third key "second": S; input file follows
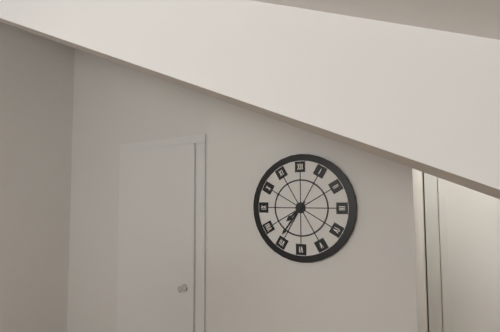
{"hour": 7, "minute": 36}
